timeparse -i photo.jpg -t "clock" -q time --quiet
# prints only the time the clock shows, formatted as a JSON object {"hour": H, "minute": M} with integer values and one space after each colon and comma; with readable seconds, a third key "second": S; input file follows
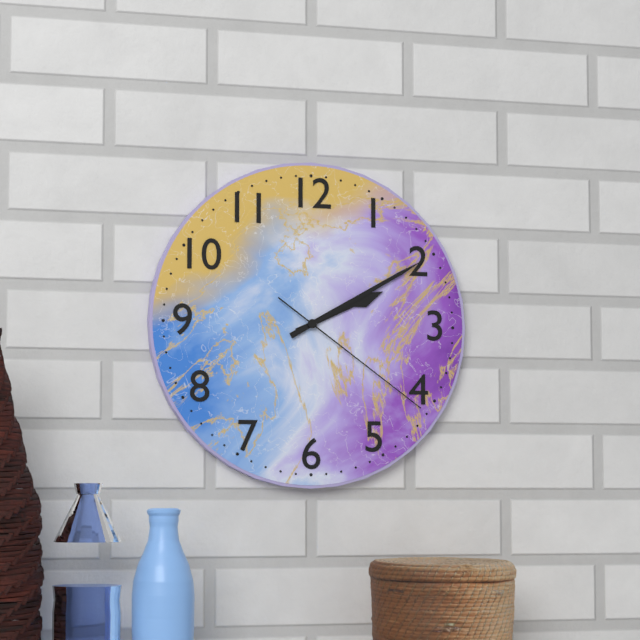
{"hour": 2, "minute": 10, "second": 21}
